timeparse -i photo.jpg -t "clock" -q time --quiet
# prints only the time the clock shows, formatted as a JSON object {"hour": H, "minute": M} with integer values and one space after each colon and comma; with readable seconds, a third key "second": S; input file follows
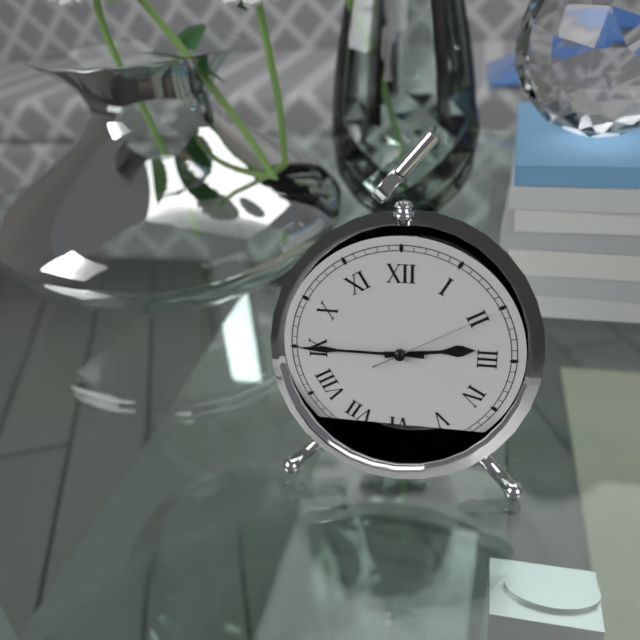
{"hour": 2, "minute": 45, "second": 10}
